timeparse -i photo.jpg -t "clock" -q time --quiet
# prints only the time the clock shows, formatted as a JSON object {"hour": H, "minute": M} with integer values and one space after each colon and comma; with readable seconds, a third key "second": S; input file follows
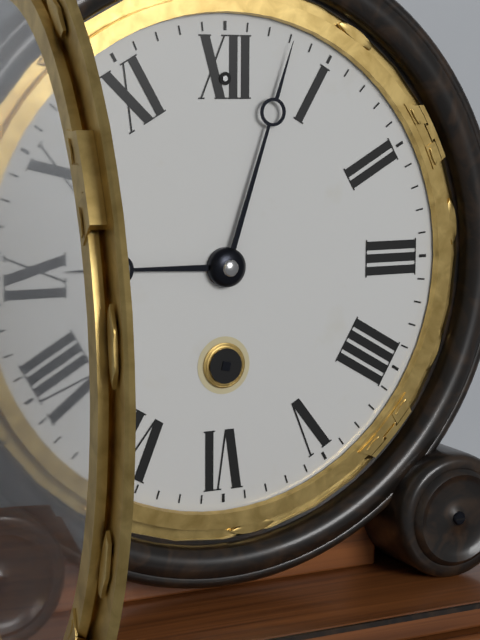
{"hour": 9, "minute": 3}
